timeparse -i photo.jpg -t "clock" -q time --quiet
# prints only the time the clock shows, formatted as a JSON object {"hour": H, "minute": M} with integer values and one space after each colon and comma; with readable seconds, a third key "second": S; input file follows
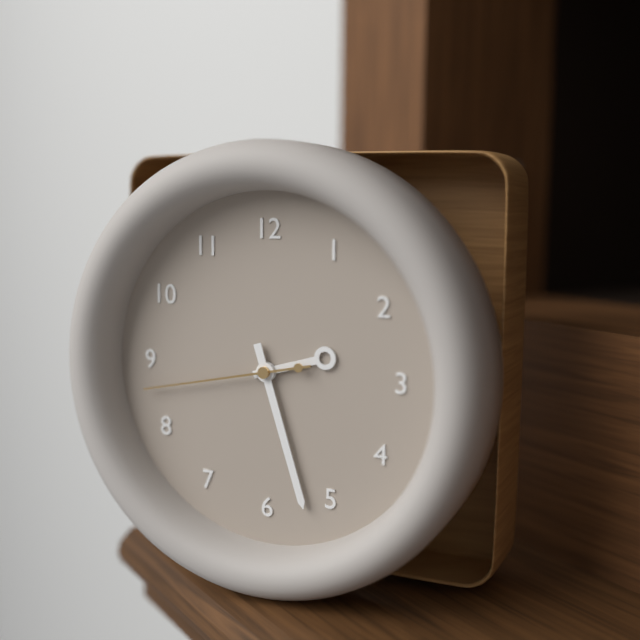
{"hour": 2, "minute": 27, "second": 43}
